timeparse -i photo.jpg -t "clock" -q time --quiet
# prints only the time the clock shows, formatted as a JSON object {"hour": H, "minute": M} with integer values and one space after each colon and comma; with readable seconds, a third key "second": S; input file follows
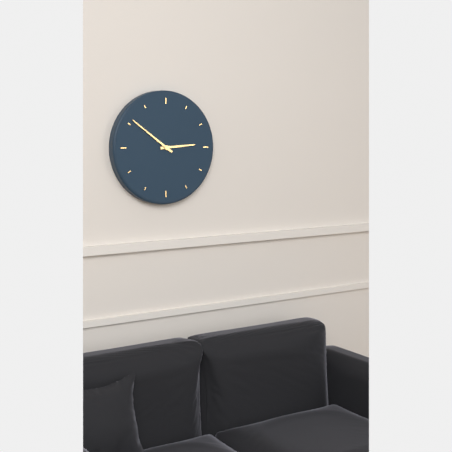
{"hour": 2, "minute": 51}
